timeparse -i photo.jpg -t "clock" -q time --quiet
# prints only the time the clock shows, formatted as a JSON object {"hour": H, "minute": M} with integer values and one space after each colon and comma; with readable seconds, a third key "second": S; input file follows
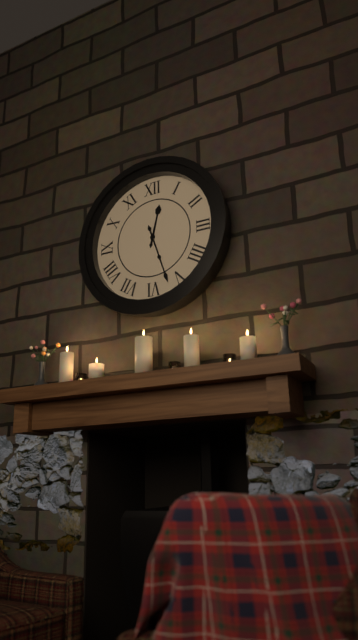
{"hour": 12, "minute": 27, "second": 27}
